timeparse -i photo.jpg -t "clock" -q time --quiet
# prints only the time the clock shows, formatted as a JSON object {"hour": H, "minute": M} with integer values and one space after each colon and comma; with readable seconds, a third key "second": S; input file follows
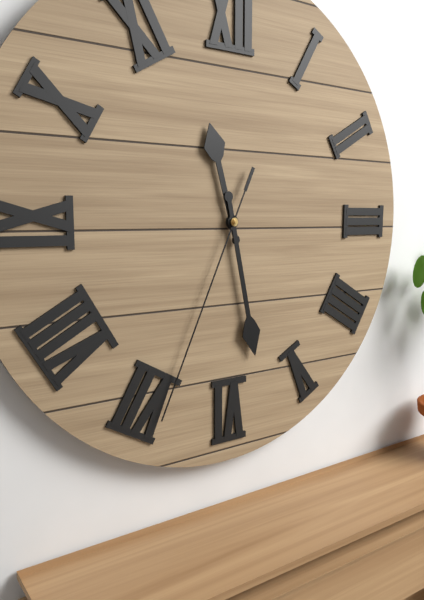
{"hour": 11, "minute": 28, "second": 34}
